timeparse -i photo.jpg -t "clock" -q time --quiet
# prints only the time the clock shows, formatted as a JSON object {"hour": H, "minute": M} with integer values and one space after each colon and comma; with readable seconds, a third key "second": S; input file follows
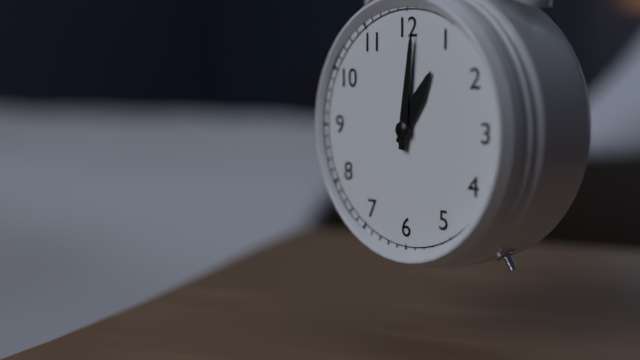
{"hour": 1, "minute": 1}
